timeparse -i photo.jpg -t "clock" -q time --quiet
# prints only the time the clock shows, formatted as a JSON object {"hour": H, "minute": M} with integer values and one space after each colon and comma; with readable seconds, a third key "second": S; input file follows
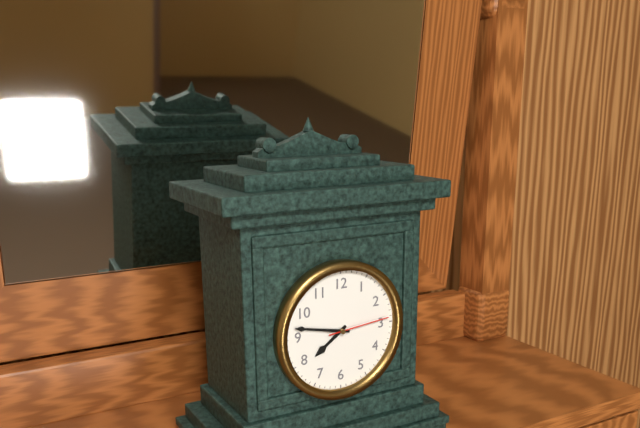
{"hour": 7, "minute": 47, "second": 14}
